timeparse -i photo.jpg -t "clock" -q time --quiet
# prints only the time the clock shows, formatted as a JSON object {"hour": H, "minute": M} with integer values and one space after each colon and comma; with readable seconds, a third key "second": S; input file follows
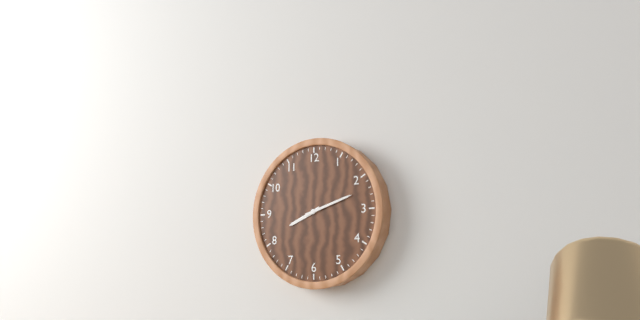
{"hour": 8, "minute": 12}
